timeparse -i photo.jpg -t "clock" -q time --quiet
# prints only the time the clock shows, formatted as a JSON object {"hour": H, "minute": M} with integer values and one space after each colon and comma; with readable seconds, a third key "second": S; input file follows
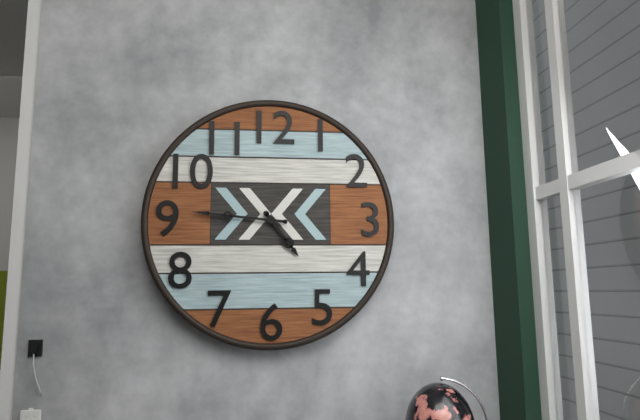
{"hour": 4, "minute": 46}
